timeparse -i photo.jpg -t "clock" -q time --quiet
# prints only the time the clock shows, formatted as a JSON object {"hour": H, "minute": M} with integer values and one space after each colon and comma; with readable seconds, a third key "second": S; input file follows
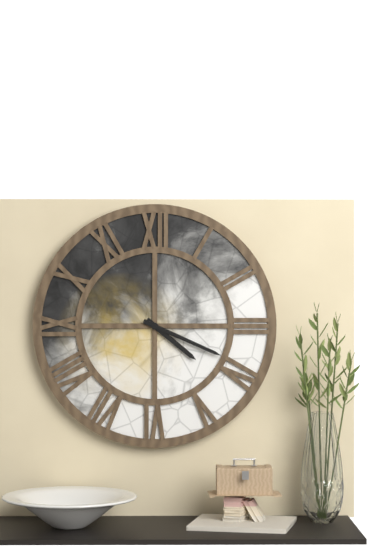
{"hour": 4, "minute": 19}
